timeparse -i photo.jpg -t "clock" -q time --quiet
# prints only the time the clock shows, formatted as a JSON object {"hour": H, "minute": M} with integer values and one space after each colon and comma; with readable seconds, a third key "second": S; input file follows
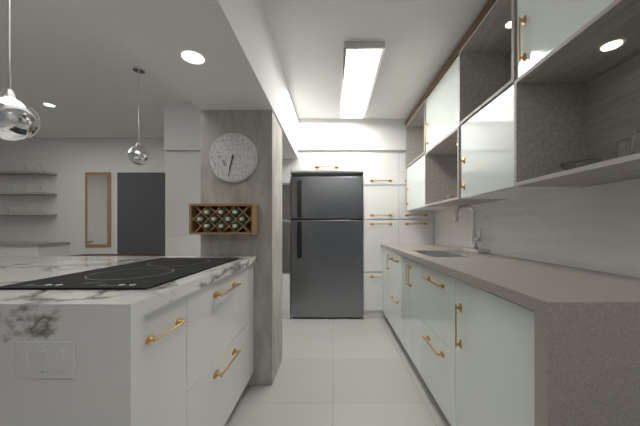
{"hour": 6, "minute": 32}
